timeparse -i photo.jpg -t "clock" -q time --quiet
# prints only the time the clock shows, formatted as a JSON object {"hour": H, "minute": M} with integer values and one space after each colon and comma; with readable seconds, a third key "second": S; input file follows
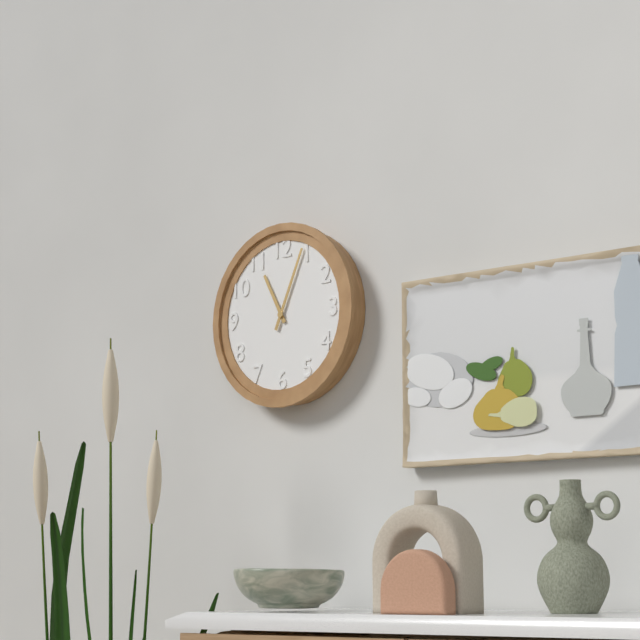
{"hour": 11, "minute": 4}
